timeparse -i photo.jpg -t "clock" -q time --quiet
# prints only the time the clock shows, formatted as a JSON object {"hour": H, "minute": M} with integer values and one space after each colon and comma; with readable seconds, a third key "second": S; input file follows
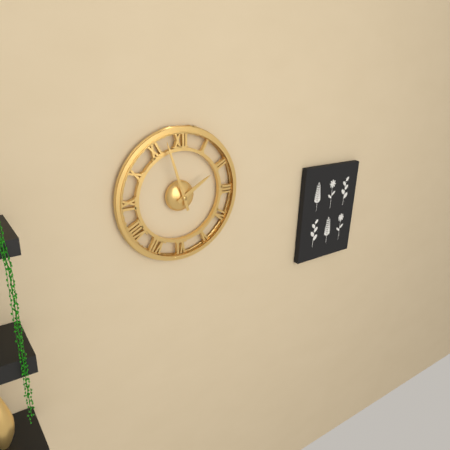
{"hour": 1, "minute": 57}
